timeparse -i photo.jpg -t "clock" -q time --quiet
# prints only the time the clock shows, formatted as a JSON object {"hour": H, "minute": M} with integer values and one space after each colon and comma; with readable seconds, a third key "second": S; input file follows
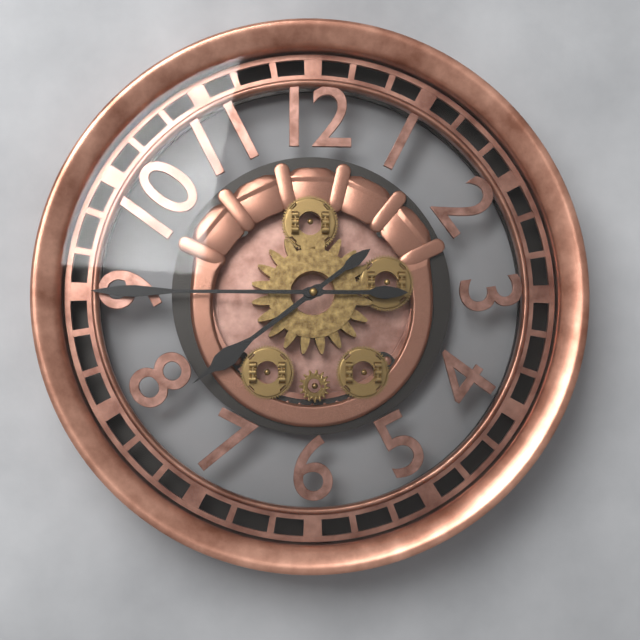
{"hour": 7, "minute": 45}
